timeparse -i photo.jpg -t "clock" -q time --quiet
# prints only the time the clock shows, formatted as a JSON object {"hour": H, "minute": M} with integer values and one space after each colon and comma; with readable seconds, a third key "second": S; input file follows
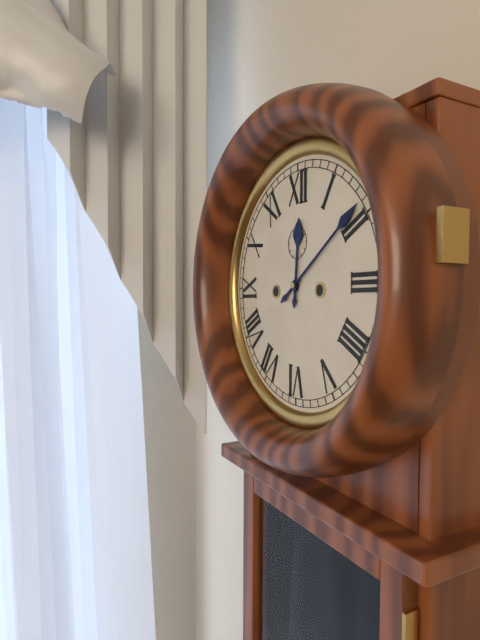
{"hour": 12, "minute": 9}
